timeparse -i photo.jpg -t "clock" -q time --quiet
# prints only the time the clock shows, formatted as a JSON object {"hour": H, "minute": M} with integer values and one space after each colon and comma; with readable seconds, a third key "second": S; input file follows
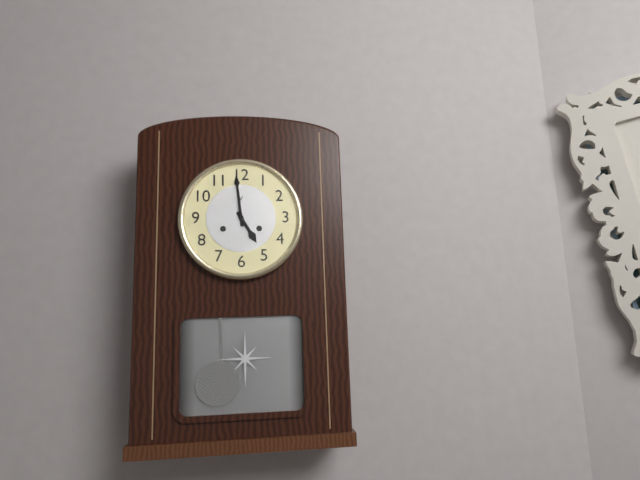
{"hour": 4, "minute": 59}
